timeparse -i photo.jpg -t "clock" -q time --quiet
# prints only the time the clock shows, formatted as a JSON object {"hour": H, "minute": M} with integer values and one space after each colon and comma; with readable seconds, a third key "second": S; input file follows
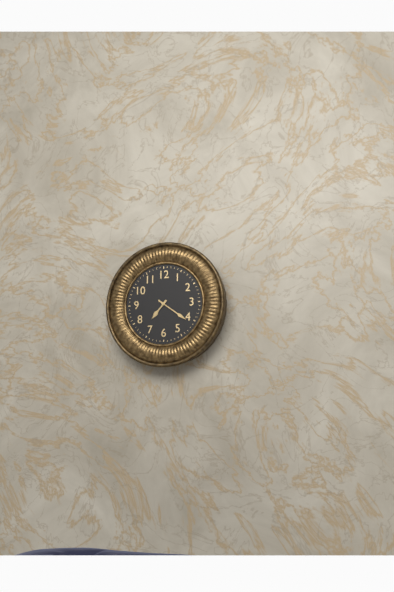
{"hour": 7, "minute": 21}
